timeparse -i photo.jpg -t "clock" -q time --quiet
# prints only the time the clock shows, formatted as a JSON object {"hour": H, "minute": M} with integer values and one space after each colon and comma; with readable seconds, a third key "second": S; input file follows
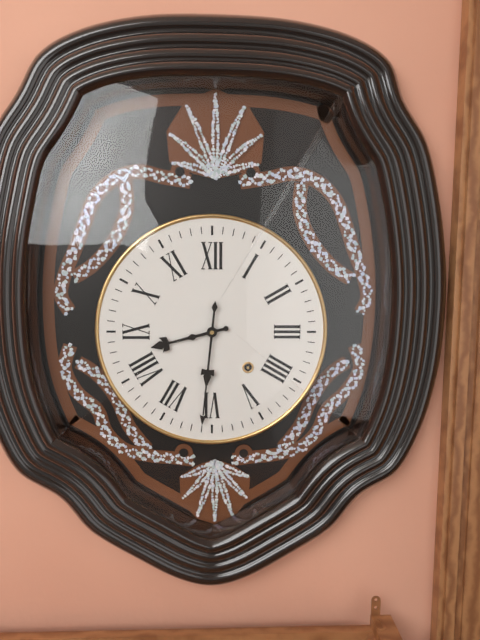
{"hour": 8, "minute": 31}
